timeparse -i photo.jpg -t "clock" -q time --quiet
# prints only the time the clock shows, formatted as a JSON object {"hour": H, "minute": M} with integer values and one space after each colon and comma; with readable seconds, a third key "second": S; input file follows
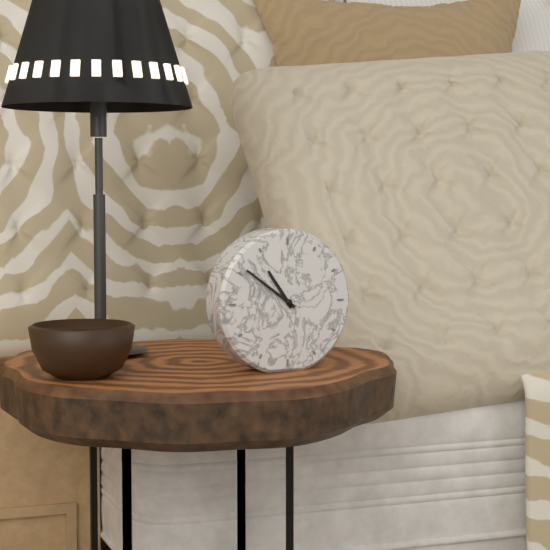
{"hour": 10, "minute": 51}
